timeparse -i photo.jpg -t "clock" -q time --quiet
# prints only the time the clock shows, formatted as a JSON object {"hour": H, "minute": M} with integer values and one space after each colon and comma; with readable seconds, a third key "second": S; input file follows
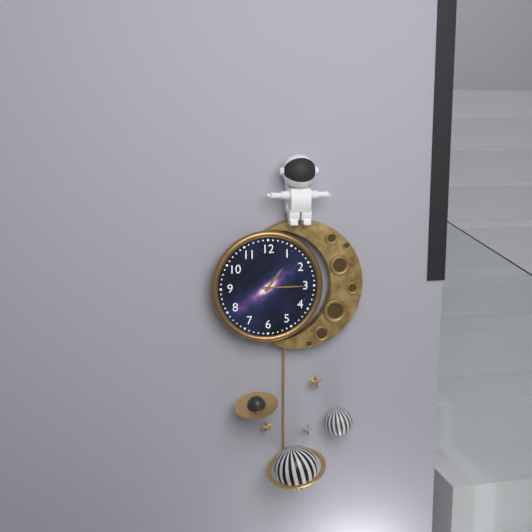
{"hour": 1, "minute": 15}
